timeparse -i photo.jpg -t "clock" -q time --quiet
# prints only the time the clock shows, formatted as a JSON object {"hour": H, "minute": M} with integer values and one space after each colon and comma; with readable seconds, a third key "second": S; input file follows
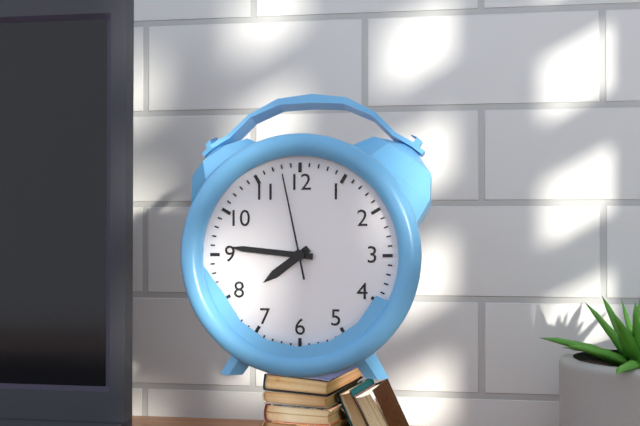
{"hour": 7, "minute": 46, "second": 58}
